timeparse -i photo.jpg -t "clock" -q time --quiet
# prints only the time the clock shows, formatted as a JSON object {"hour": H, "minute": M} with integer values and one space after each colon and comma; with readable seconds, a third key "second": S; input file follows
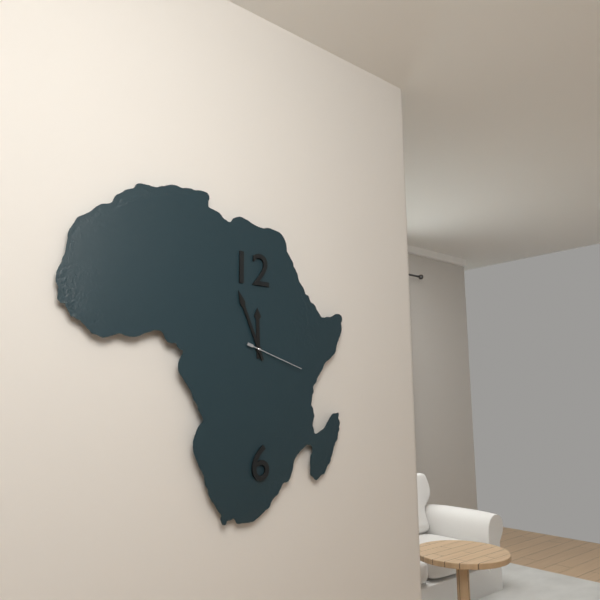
{"hour": 11, "minute": 56, "second": 18}
